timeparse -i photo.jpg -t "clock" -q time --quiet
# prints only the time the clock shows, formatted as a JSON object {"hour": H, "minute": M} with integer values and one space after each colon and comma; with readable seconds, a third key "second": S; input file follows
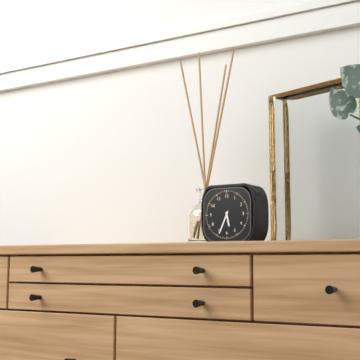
{"hour": 5, "minute": 34}
